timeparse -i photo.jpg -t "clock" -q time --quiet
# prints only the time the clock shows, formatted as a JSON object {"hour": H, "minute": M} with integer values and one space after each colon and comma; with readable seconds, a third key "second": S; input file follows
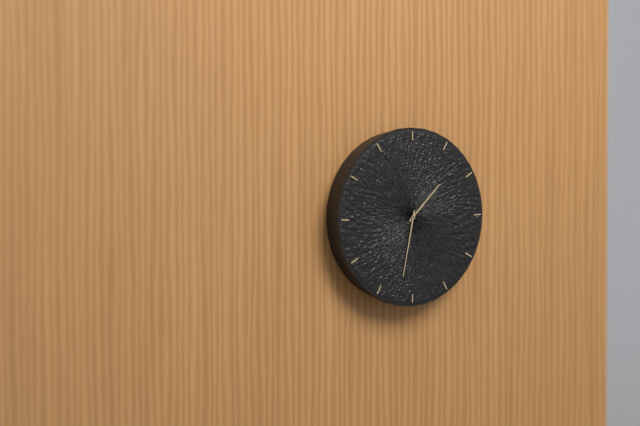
{"hour": 1, "minute": 32}
